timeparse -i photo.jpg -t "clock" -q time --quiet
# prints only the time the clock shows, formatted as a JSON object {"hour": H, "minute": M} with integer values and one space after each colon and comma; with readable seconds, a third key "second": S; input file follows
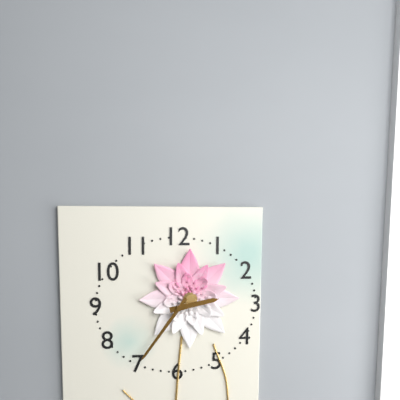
{"hour": 2, "minute": 36}
